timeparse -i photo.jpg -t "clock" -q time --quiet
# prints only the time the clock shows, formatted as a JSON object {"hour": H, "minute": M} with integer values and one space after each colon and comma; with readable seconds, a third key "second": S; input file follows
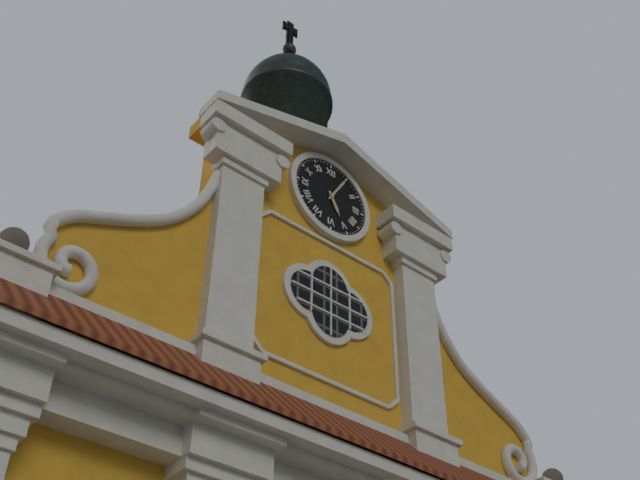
{"hour": 5, "minute": 5}
